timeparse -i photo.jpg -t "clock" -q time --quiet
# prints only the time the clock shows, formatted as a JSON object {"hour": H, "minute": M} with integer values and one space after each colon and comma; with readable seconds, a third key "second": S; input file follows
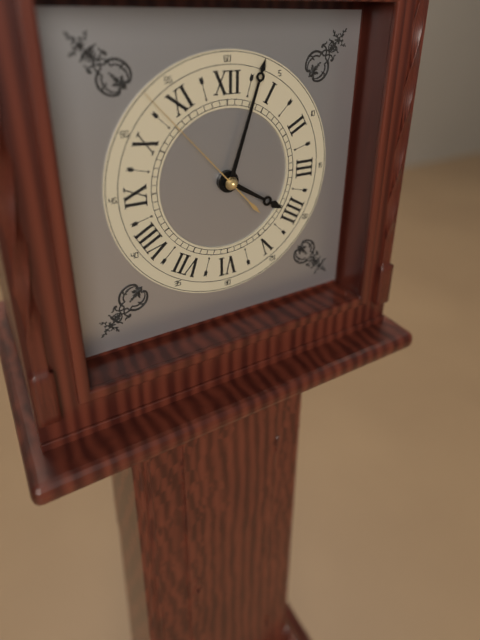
{"hour": 4, "minute": 3, "second": 53}
